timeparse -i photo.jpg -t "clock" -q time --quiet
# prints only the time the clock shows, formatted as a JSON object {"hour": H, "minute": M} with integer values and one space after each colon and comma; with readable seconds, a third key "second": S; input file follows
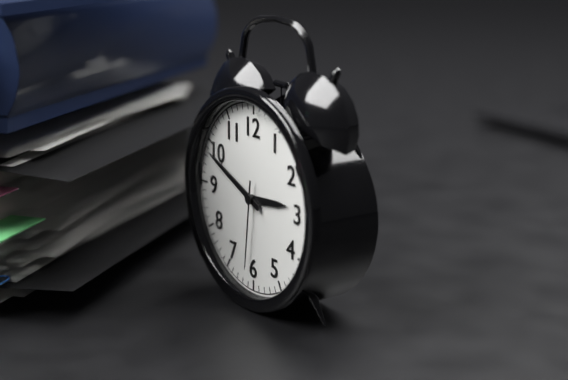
{"hour": 2, "minute": 49, "second": 31}
